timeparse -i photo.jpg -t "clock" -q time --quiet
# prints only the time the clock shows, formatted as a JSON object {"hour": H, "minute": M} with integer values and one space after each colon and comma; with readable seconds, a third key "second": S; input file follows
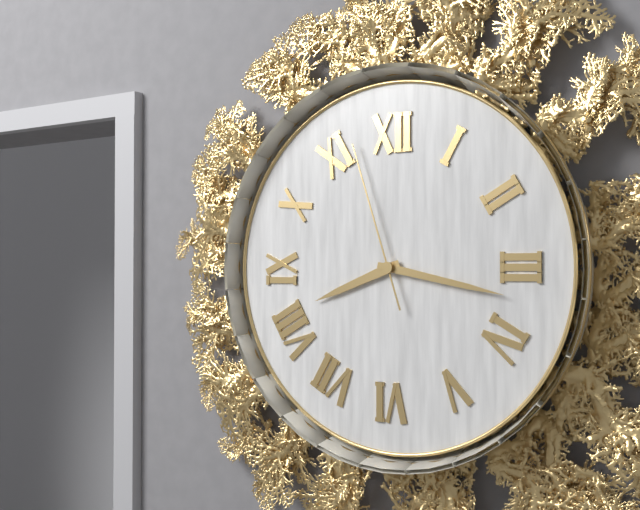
{"hour": 8, "minute": 17, "second": 57}
